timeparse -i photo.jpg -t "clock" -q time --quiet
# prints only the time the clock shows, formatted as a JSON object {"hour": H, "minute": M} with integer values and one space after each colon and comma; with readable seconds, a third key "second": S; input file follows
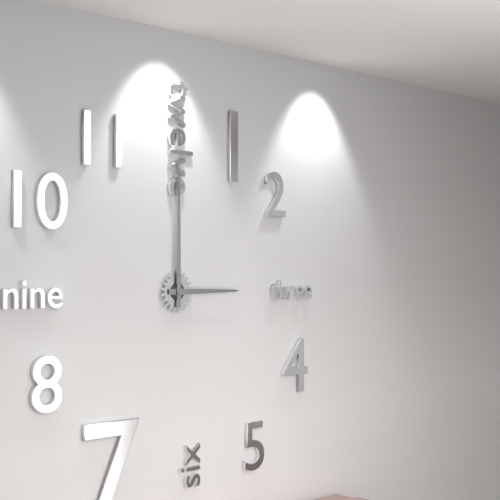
{"hour": 3, "minute": 0}
